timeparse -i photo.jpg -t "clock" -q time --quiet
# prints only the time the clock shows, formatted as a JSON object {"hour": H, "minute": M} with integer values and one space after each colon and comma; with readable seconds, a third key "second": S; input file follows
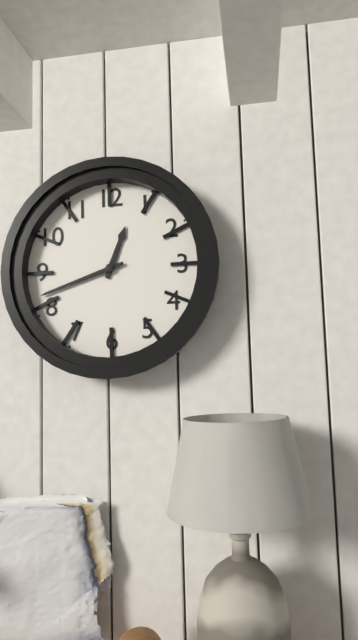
{"hour": 12, "minute": 42}
